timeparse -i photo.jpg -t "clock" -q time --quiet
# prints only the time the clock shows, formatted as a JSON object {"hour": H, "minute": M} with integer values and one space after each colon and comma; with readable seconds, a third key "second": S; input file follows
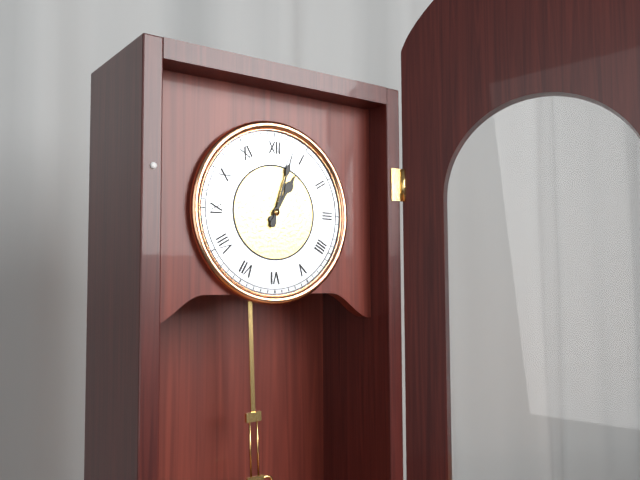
{"hour": 1, "minute": 3}
